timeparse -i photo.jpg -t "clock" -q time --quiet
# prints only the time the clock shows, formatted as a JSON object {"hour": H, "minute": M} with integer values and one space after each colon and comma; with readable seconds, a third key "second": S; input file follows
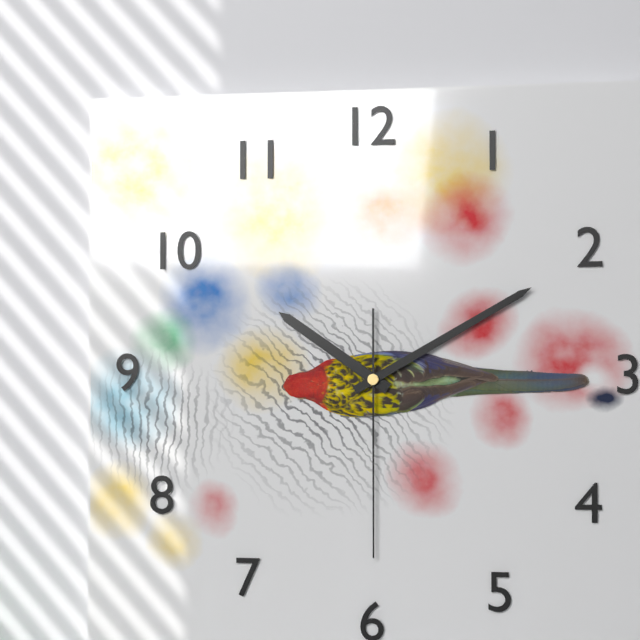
{"hour": 10, "minute": 10, "second": 30}
